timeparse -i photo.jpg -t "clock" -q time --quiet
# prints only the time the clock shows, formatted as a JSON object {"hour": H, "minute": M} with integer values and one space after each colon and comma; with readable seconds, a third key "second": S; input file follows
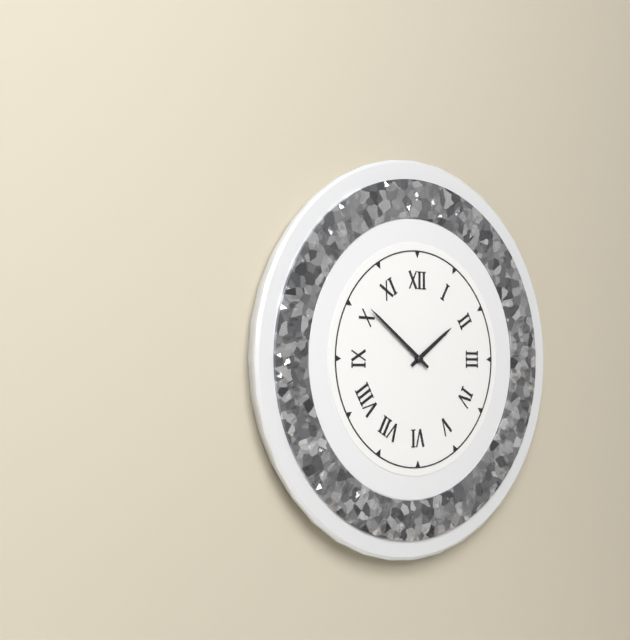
{"hour": 1, "minute": 51}
